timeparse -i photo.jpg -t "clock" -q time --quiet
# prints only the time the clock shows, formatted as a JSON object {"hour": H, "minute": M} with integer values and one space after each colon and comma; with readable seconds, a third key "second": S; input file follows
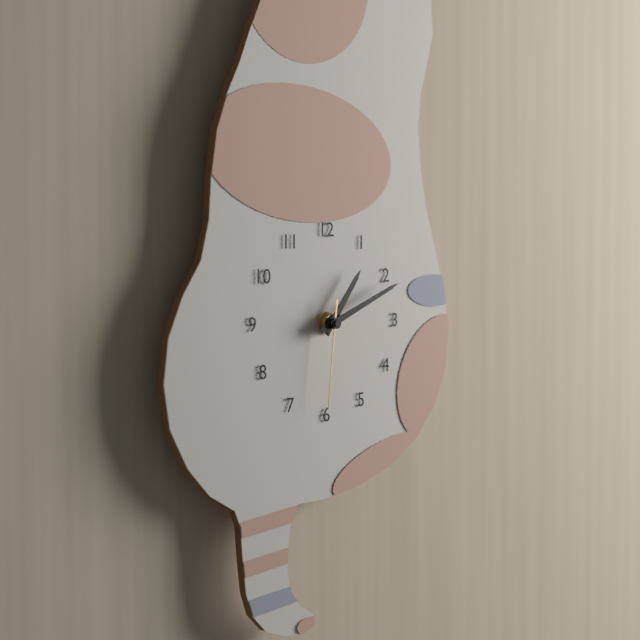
{"hour": 1, "minute": 11, "second": 31}
